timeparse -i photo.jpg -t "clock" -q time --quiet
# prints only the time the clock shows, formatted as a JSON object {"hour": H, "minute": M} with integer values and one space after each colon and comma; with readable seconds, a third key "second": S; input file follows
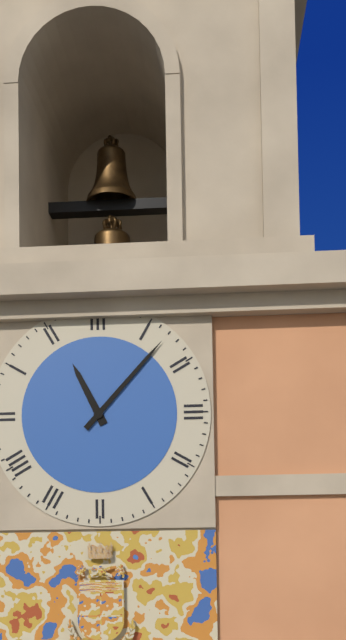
{"hour": 11, "minute": 7}
